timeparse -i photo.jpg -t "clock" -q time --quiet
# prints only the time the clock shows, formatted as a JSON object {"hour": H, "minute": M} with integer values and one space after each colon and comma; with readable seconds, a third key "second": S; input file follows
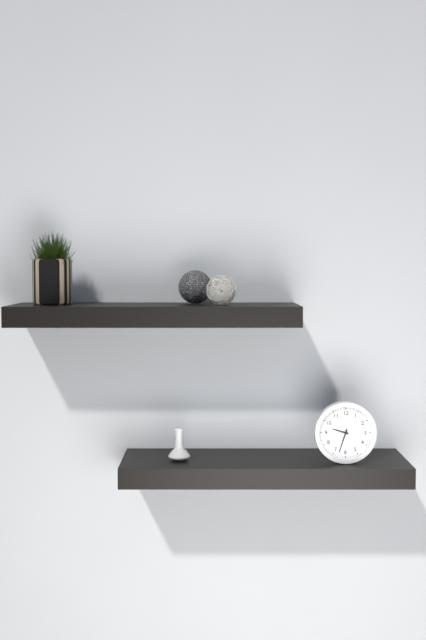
{"hour": 9, "minute": 33}
